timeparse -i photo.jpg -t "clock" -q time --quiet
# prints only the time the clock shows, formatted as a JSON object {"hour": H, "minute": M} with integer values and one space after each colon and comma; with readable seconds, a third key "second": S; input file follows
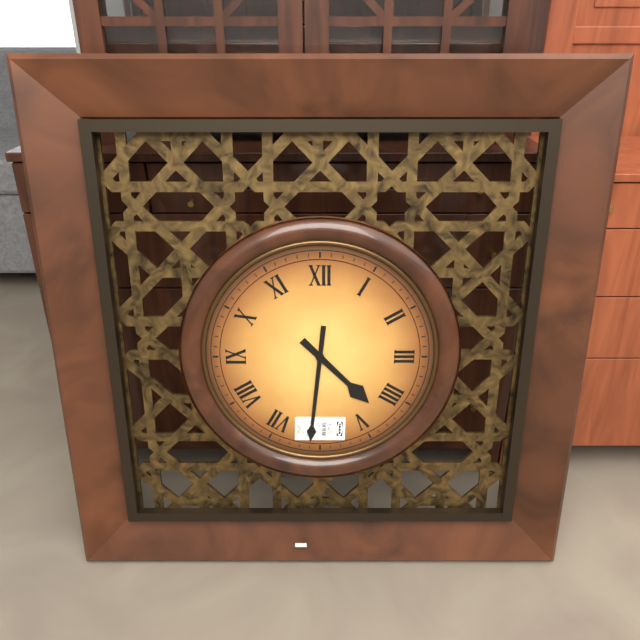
{"hour": 4, "minute": 31}
